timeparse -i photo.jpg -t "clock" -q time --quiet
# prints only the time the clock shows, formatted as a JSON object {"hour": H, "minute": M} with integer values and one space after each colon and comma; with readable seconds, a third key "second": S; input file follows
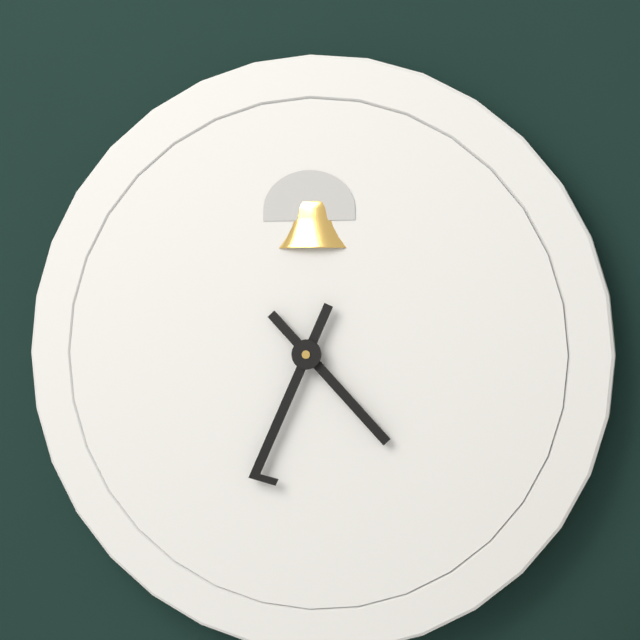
{"hour": 4, "minute": 34}
